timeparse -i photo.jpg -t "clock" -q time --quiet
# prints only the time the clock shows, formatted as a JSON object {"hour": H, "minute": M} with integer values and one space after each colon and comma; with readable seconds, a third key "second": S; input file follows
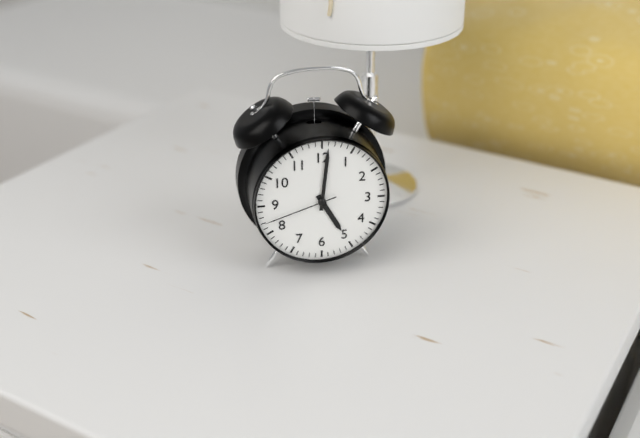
{"hour": 5, "minute": 1, "second": 42}
